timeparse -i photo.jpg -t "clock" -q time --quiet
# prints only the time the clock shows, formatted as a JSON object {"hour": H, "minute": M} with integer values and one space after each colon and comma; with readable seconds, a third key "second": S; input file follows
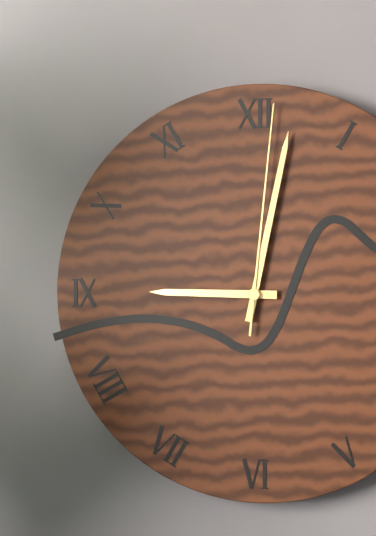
{"hour": 9, "minute": 2, "second": 1}
